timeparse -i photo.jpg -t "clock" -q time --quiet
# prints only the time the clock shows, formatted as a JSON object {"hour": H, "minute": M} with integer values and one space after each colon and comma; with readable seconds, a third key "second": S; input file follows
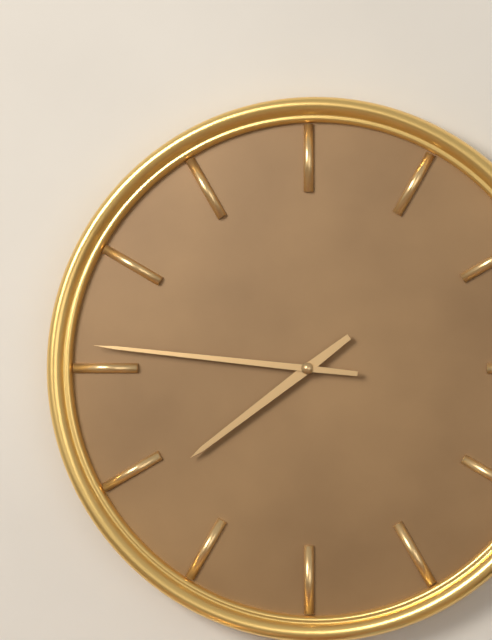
{"hour": 7, "minute": 46}
